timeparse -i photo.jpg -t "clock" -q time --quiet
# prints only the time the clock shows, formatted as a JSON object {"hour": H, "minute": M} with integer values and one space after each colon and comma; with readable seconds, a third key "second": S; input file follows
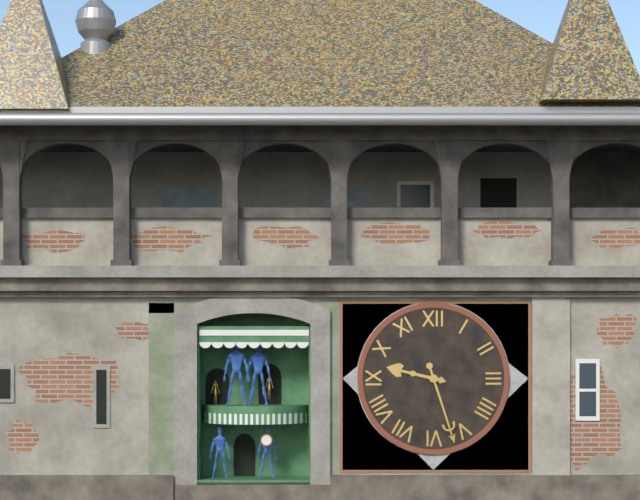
{"hour": 9, "minute": 27}
